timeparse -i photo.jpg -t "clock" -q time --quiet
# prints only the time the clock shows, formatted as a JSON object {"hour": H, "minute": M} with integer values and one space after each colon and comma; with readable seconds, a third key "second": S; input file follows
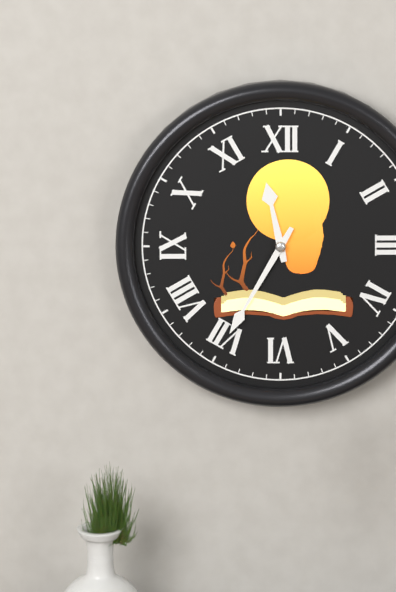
{"hour": 11, "minute": 35}
